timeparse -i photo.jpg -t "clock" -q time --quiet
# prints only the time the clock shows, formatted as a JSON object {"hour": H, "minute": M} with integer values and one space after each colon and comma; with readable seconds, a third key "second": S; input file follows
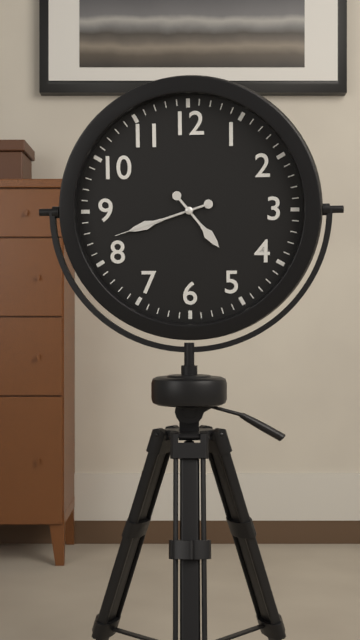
{"hour": 4, "minute": 42, "second": 42}
